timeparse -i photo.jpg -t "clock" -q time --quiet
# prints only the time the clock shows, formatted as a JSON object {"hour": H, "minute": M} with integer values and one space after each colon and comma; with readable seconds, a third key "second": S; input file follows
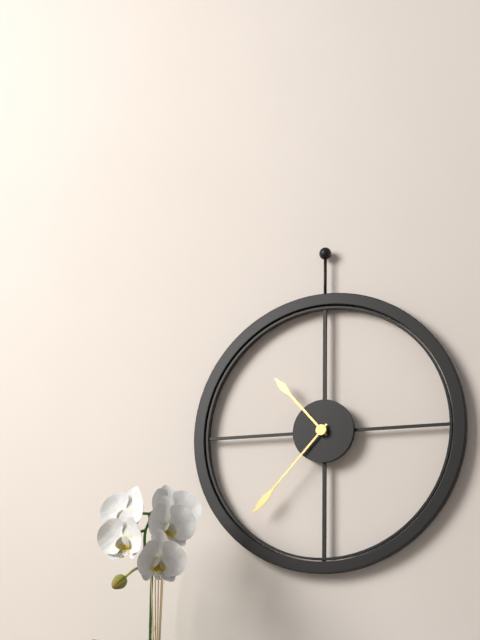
{"hour": 10, "minute": 37}
